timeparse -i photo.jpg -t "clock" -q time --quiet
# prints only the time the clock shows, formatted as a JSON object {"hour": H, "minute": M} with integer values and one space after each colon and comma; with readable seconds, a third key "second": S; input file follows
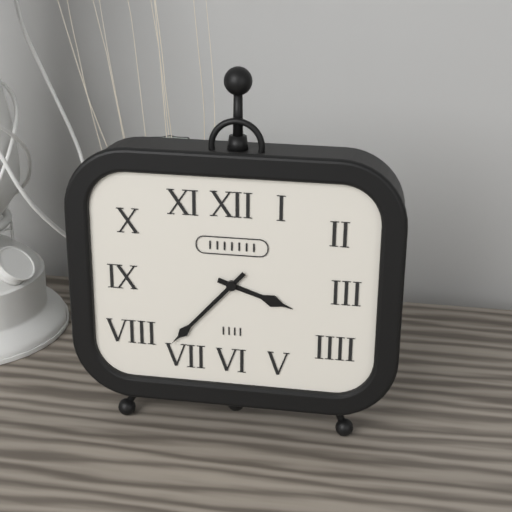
{"hour": 3, "minute": 37}
